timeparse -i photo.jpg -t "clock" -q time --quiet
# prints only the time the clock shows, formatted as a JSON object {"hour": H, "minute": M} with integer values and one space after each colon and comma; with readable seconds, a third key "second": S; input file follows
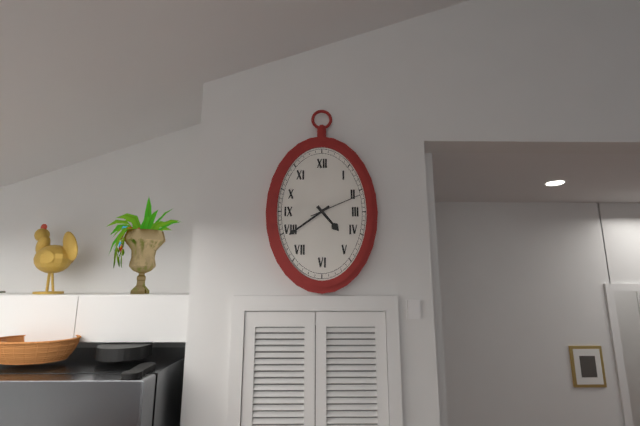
{"hour": 4, "minute": 39, "second": 11}
